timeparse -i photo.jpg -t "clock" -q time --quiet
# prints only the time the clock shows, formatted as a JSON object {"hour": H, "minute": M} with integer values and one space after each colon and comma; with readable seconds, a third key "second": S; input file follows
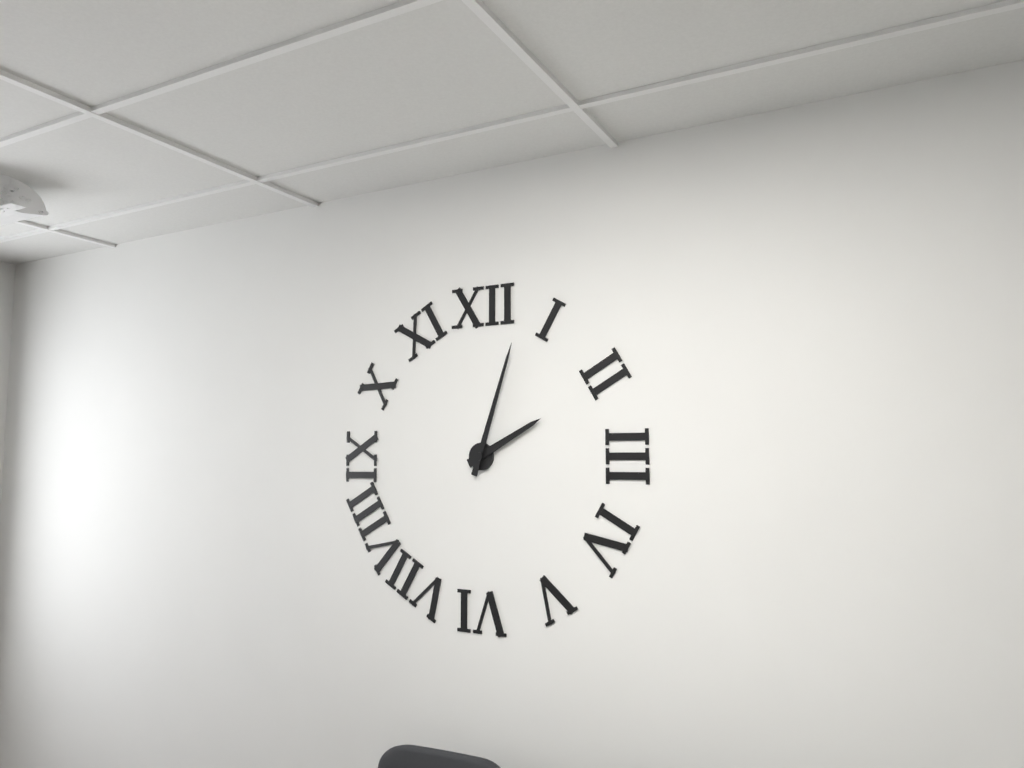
{"hour": 2, "minute": 3}
